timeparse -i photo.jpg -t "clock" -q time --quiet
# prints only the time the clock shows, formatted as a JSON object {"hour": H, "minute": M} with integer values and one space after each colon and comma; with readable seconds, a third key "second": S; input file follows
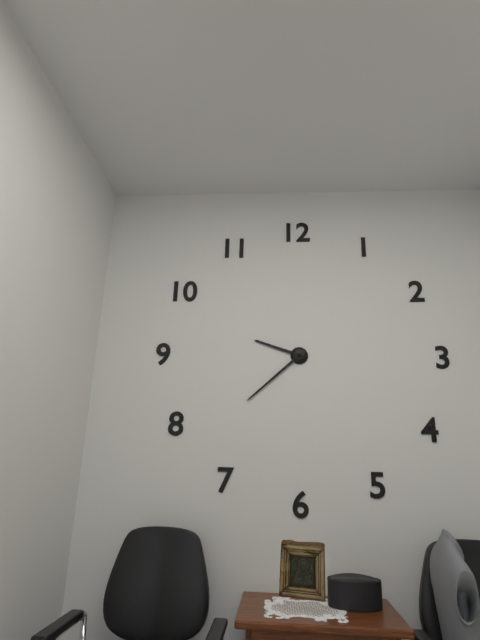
{"hour": 9, "minute": 38}
